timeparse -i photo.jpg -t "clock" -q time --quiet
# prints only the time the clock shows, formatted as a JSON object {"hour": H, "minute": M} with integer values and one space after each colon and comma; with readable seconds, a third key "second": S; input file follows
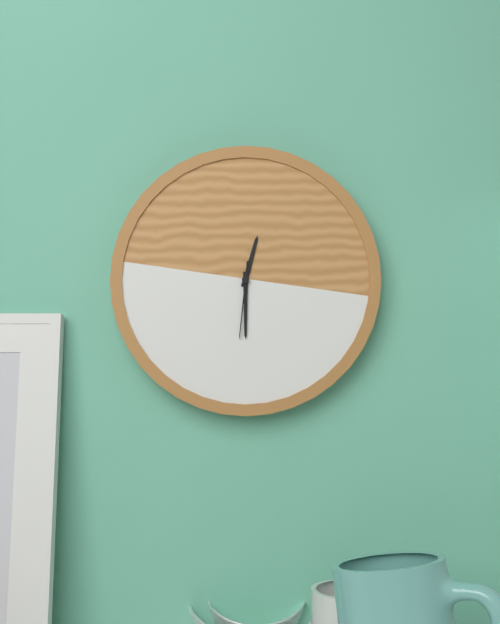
{"hour": 12, "minute": 30, "second": 31}
